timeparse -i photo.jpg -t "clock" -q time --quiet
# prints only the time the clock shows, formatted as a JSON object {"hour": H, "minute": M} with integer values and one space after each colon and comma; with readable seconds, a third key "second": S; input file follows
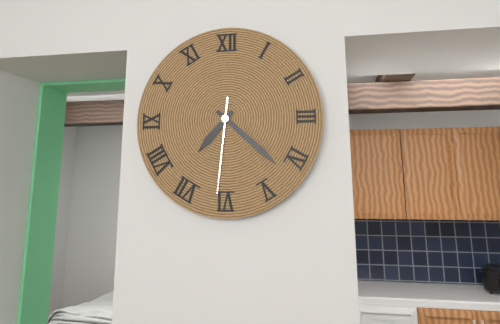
{"hour": 7, "minute": 22, "second": 31}
